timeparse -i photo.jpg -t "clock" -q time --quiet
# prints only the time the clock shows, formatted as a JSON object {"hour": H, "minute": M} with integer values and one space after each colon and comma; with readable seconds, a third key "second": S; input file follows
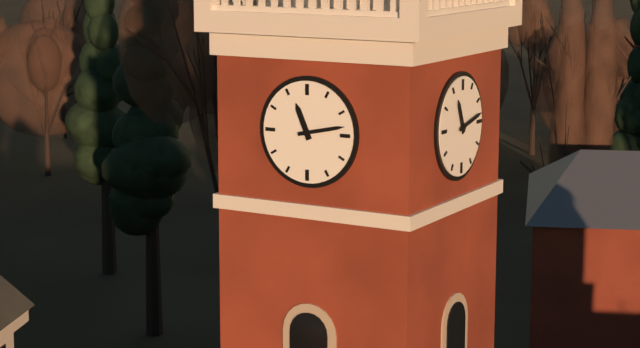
{"hour": 11, "minute": 13}
